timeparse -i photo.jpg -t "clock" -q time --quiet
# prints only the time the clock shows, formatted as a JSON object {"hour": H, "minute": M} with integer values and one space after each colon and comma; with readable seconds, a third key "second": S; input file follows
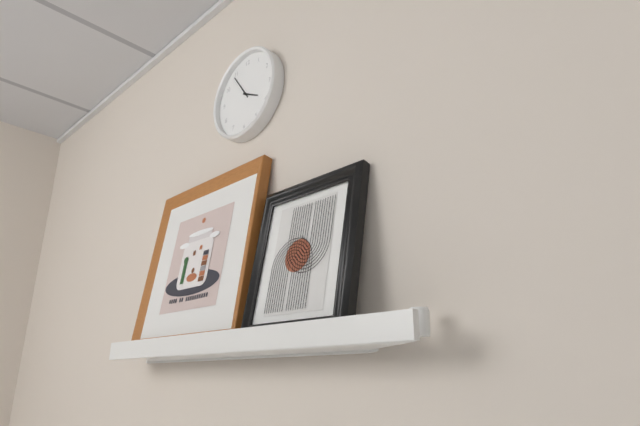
{"hour": 3, "minute": 54}
